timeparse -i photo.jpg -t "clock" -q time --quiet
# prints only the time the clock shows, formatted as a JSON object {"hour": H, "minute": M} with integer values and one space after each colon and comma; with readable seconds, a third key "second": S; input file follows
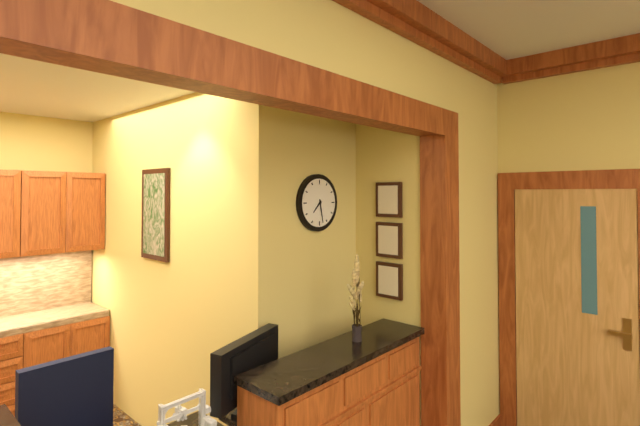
{"hour": 7, "minute": 28}
